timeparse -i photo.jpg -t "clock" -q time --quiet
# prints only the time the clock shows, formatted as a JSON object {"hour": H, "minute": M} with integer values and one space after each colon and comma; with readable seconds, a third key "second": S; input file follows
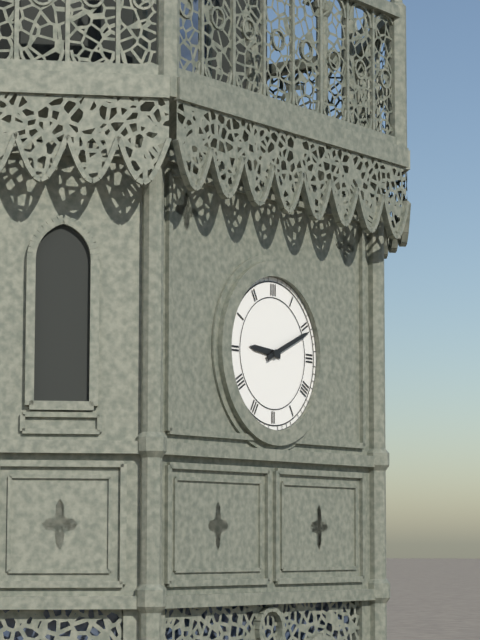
{"hour": 9, "minute": 11}
